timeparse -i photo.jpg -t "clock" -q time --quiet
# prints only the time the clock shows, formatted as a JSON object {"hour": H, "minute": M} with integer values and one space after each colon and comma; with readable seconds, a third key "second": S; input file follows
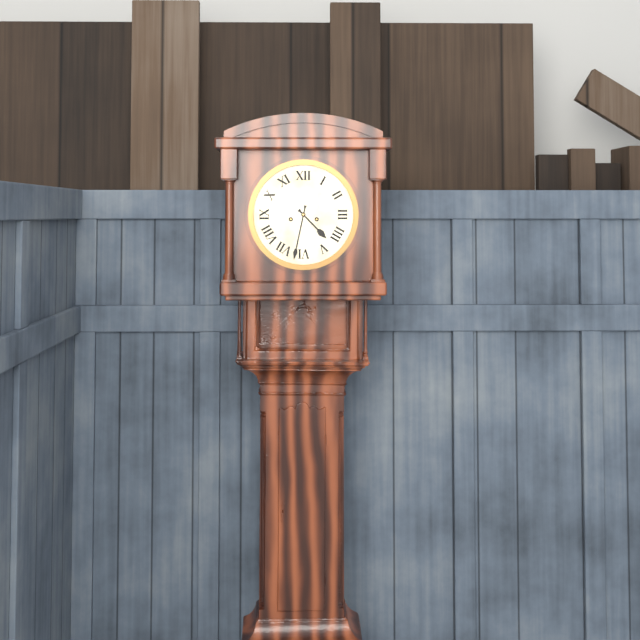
{"hour": 4, "minute": 32}
